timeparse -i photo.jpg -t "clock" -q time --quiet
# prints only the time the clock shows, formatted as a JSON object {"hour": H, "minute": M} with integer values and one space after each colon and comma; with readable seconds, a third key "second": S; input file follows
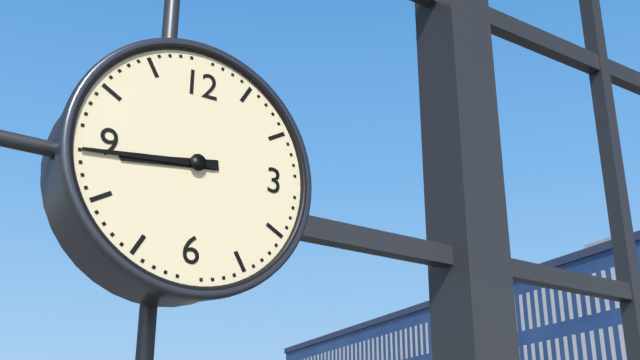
{"hour": 8, "minute": 44}
